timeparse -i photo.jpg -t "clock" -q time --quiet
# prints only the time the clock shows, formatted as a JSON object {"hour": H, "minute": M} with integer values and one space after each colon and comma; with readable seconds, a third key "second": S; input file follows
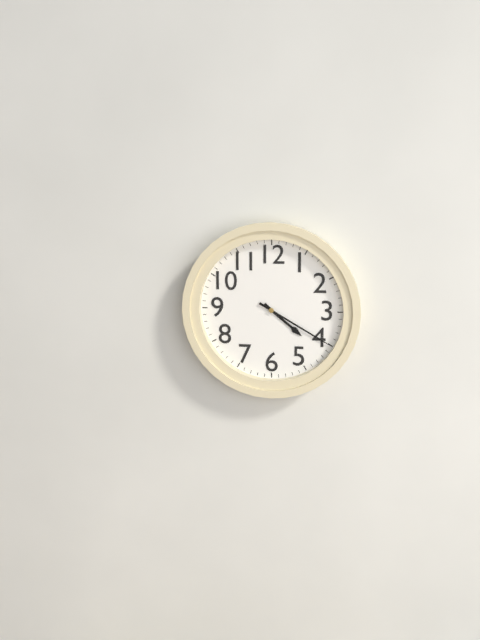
{"hour": 4, "minute": 20}
